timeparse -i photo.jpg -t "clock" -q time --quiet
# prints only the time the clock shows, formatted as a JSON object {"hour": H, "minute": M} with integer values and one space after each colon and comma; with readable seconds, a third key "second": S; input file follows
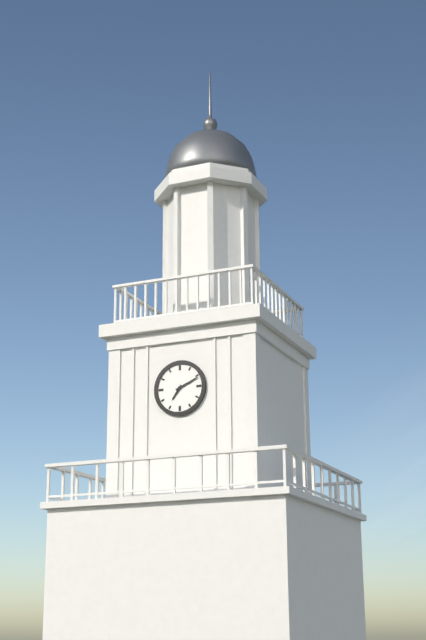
{"hour": 7, "minute": 11}
